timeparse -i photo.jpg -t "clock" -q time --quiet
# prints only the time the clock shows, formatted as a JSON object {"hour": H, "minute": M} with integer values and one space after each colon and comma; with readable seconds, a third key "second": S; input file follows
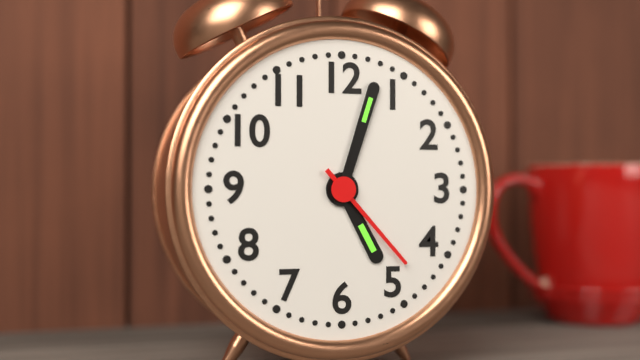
{"hour": 5, "minute": 3, "second": 23}
